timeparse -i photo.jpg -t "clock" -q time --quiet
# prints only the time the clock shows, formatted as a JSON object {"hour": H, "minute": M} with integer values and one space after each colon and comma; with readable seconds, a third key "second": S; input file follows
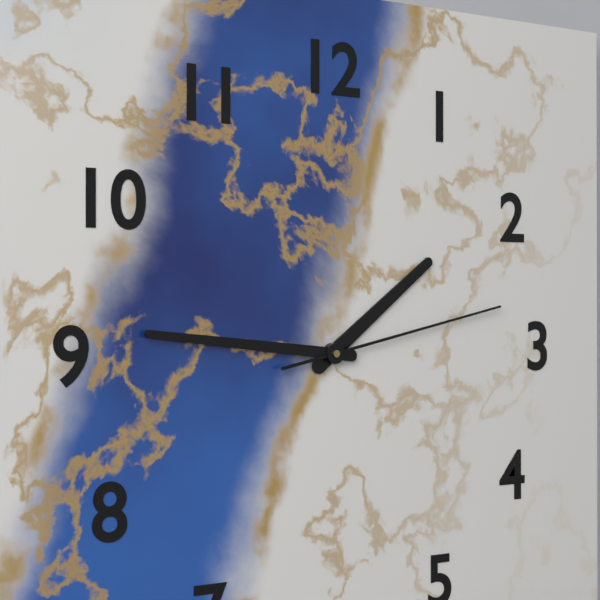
{"hour": 1, "minute": 46, "second": 13}
